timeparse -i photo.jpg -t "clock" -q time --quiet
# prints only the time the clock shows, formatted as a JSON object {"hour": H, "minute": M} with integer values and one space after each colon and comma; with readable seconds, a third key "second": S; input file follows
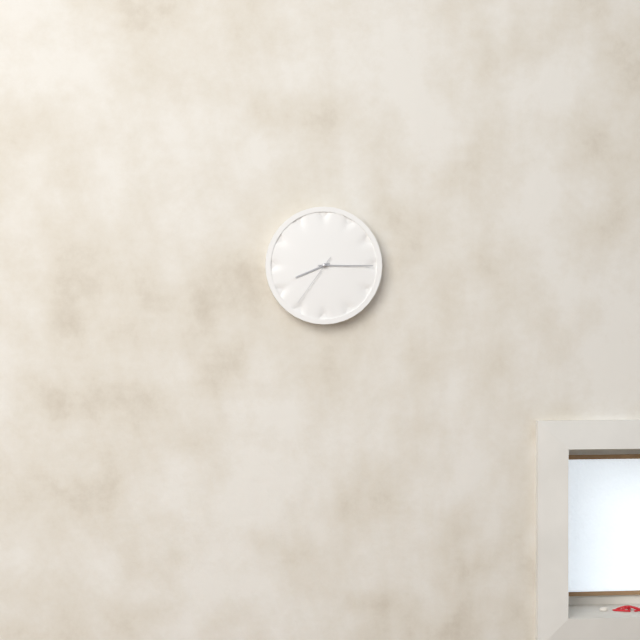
{"hour": 8, "minute": 15, "second": 36}
